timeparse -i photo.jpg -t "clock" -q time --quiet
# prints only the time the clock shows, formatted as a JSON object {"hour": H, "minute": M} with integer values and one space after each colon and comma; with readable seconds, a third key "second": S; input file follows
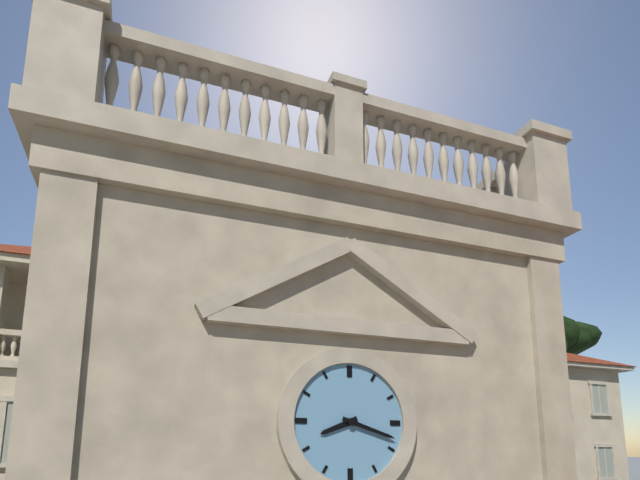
{"hour": 8, "minute": 18}
